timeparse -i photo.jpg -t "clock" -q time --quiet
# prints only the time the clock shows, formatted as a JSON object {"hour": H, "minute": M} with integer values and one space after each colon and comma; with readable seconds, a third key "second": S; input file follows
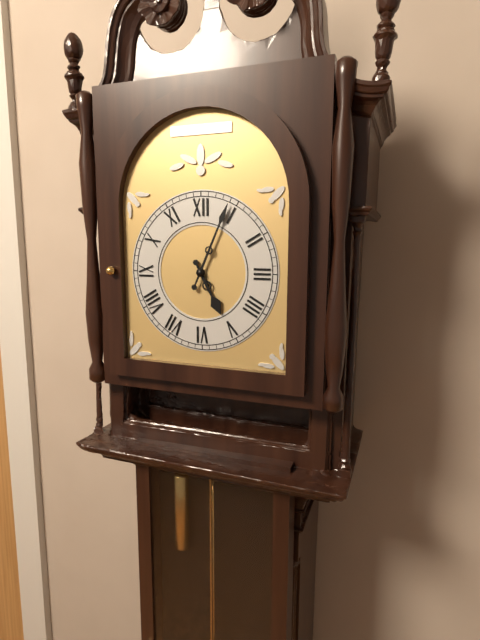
{"hour": 5, "minute": 4}
